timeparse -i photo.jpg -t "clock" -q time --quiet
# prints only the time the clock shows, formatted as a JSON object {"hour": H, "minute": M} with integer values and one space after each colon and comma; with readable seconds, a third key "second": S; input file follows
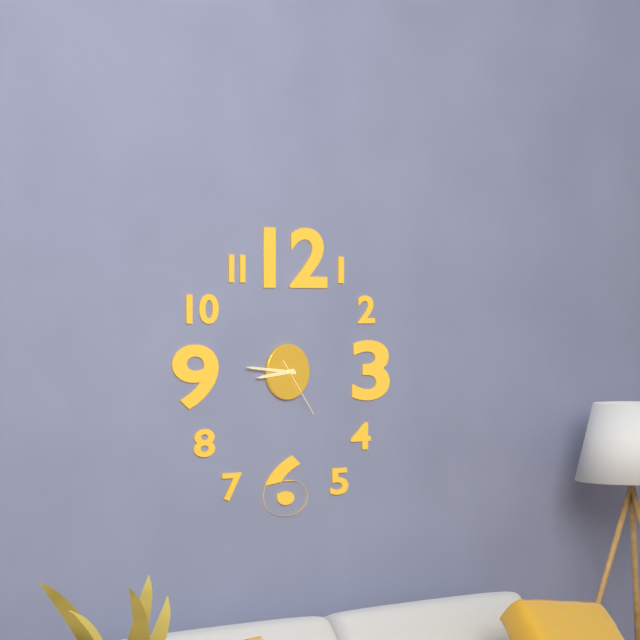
{"hour": 8, "minute": 46, "second": 24}
